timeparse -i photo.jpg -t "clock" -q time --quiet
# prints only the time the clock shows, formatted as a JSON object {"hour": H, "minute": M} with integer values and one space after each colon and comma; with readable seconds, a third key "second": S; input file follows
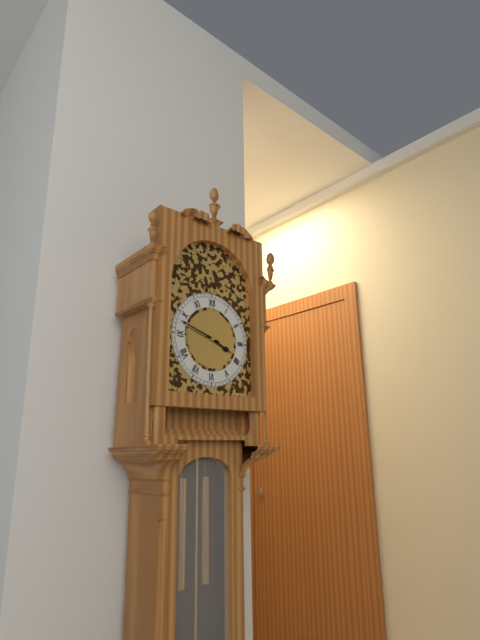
{"hour": 3, "minute": 48}
